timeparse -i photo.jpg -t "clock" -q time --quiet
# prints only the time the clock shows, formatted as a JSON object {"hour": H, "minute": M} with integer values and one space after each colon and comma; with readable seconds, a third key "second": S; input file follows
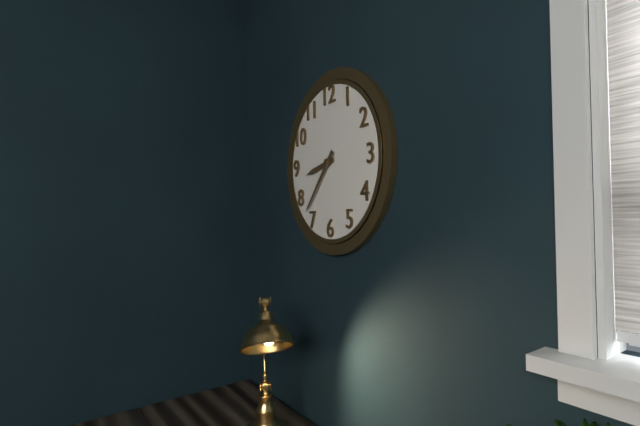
{"hour": 8, "minute": 37}
